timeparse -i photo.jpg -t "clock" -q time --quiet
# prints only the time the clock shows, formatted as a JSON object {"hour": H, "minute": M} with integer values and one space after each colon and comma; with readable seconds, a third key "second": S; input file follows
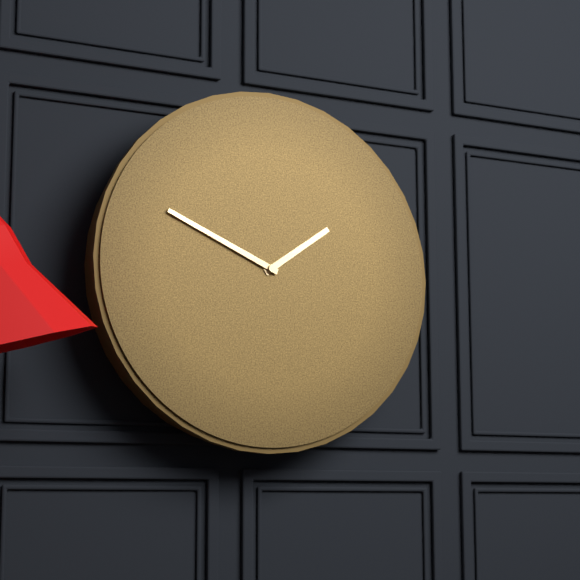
{"hour": 1, "minute": 49}
